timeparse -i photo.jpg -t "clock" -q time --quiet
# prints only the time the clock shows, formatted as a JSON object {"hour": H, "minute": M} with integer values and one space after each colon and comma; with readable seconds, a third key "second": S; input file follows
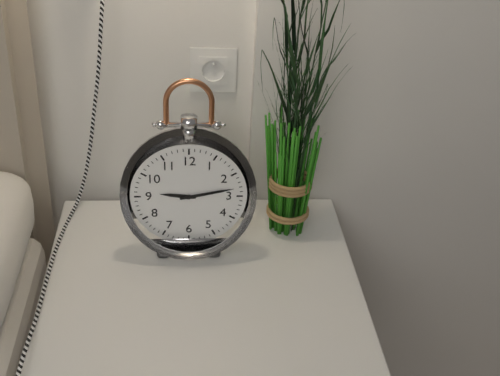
{"hour": 9, "minute": 13}
